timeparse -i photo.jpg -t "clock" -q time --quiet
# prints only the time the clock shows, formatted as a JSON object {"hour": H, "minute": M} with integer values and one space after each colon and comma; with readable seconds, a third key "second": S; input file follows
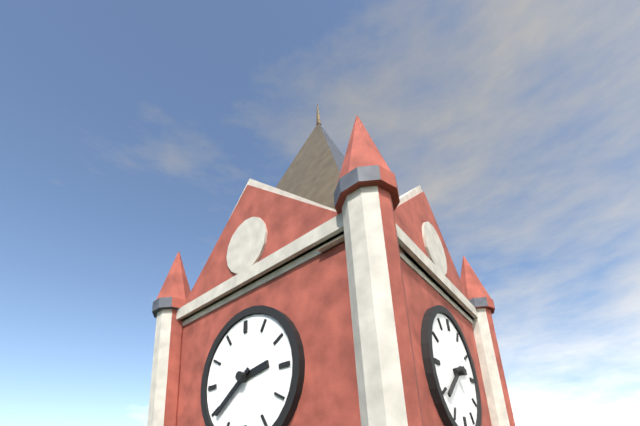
{"hour": 2, "minute": 39}
